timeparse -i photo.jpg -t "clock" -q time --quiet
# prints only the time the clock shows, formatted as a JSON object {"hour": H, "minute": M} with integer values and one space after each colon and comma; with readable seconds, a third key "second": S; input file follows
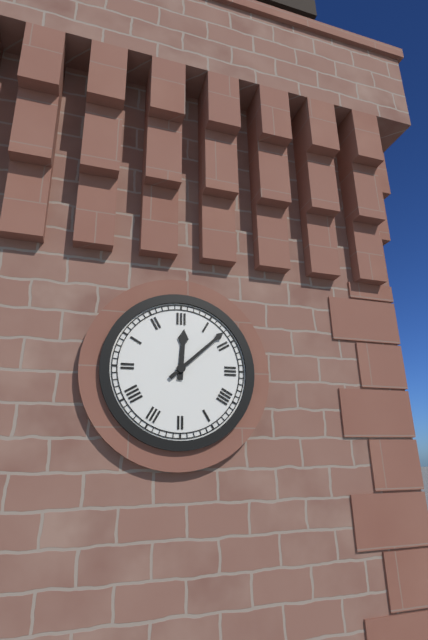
{"hour": 12, "minute": 8}
